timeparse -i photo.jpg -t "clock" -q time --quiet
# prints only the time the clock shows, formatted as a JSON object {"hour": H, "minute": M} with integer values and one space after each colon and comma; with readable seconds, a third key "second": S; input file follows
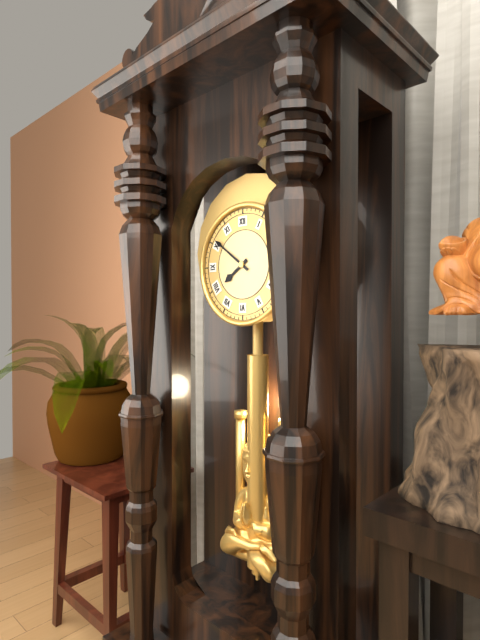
{"hour": 7, "minute": 51}
